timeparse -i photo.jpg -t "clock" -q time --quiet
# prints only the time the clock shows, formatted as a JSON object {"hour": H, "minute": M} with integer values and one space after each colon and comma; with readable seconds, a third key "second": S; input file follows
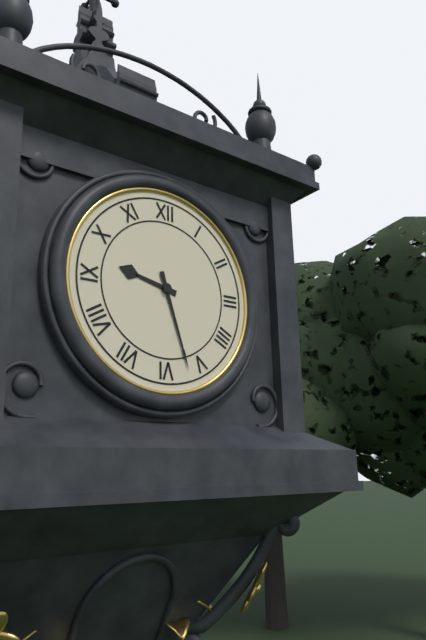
{"hour": 9, "minute": 27}
